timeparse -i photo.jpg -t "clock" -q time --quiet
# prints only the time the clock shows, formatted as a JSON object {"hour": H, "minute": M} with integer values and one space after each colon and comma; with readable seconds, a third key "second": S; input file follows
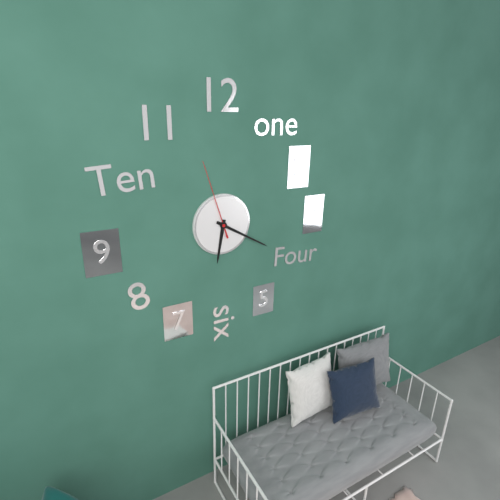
{"hour": 6, "minute": 20, "second": 57}
